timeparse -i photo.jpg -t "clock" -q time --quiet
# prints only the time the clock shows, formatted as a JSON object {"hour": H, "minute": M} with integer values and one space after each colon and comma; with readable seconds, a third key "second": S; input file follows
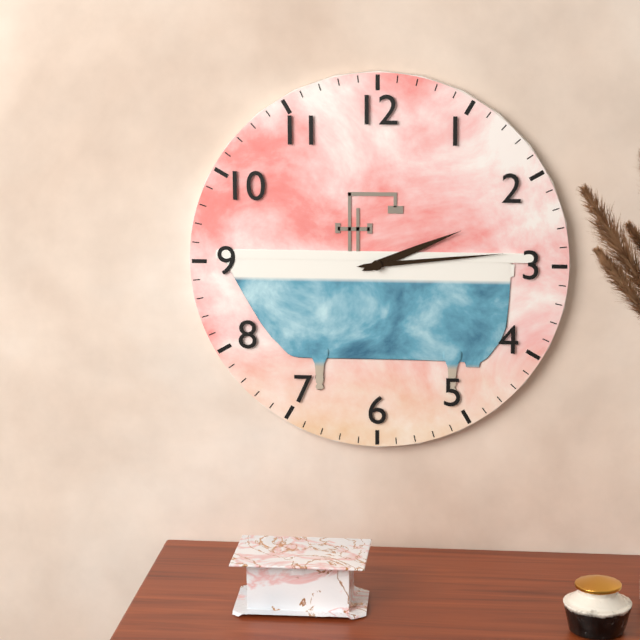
{"hour": 2, "minute": 14}
